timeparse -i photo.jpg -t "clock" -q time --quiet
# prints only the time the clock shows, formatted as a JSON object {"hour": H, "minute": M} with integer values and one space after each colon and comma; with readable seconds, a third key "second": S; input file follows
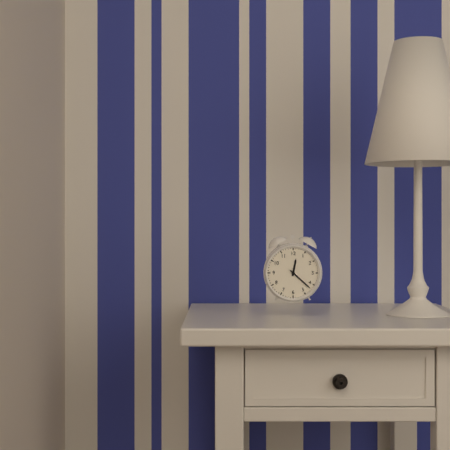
{"hour": 12, "minute": 22}
